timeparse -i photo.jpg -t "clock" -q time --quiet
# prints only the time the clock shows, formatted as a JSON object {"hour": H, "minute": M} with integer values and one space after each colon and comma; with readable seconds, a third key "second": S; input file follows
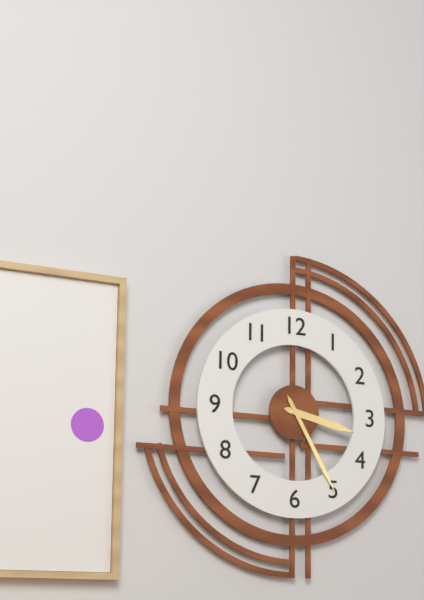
{"hour": 3, "minute": 25}
